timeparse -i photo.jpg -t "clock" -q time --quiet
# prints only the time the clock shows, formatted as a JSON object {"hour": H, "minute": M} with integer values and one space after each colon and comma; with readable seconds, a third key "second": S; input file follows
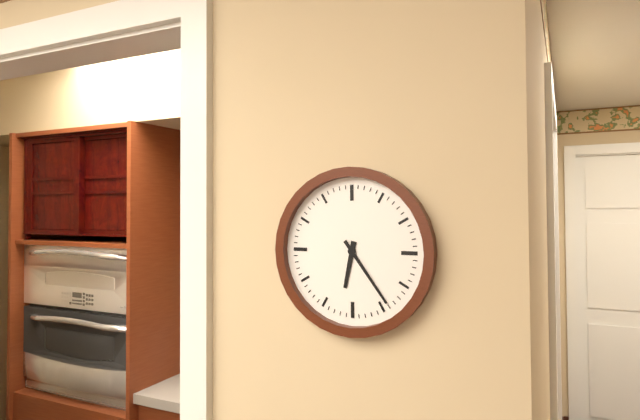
{"hour": 6, "minute": 24}
